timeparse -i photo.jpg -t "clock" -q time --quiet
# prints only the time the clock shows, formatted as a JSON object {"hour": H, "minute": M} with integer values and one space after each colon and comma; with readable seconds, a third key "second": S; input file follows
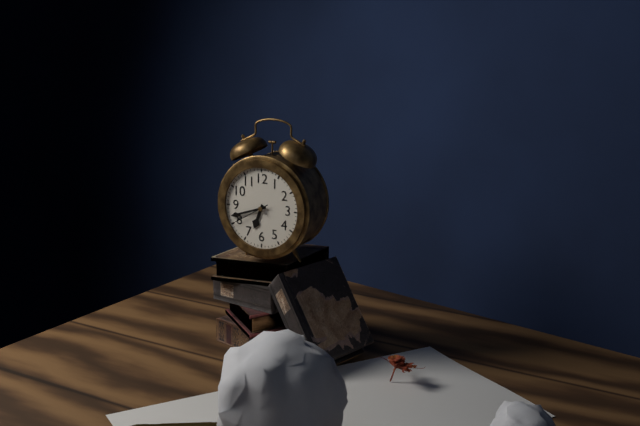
{"hour": 6, "minute": 42}
